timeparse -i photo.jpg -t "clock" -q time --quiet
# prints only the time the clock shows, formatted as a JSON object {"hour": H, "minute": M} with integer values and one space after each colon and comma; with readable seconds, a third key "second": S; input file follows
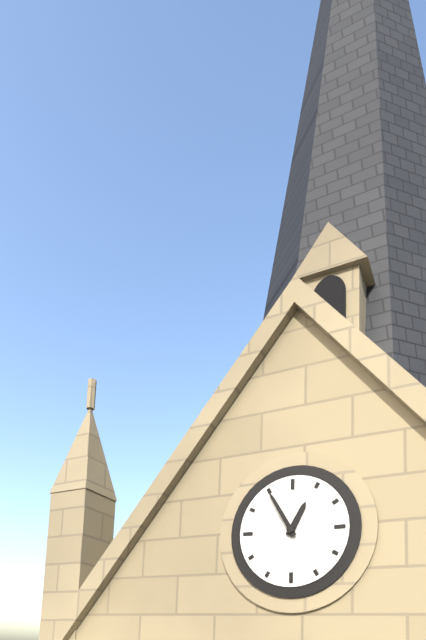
{"hour": 12, "minute": 55}
